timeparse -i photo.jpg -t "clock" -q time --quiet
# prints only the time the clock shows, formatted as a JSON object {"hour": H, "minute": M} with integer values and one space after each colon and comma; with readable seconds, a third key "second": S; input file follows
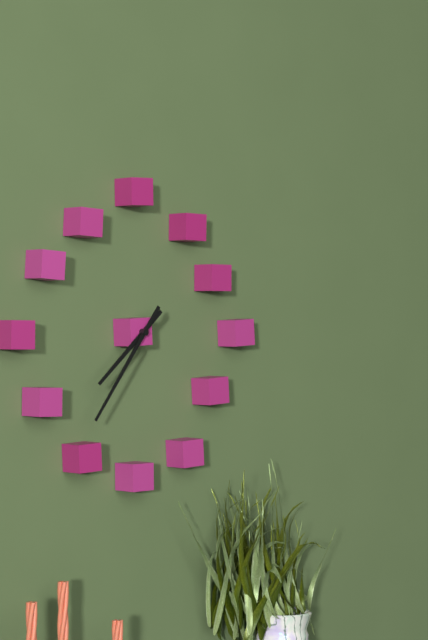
{"hour": 7, "minute": 36}
